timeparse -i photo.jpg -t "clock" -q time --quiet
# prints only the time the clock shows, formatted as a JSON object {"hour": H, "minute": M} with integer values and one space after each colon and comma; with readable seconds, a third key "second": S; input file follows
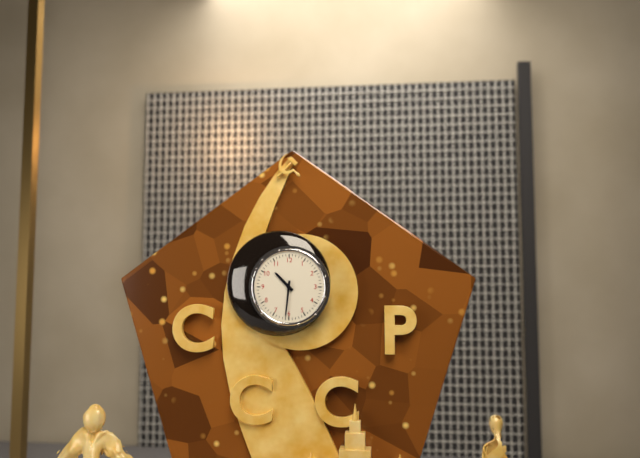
{"hour": 10, "minute": 31}
